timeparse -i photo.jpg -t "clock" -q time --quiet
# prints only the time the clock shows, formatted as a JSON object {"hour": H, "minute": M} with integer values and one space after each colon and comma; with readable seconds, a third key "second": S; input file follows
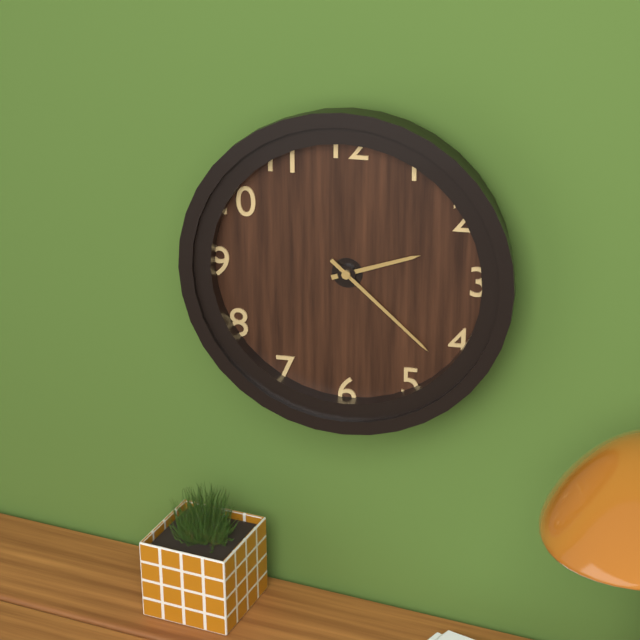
{"hour": 2, "minute": 22}
